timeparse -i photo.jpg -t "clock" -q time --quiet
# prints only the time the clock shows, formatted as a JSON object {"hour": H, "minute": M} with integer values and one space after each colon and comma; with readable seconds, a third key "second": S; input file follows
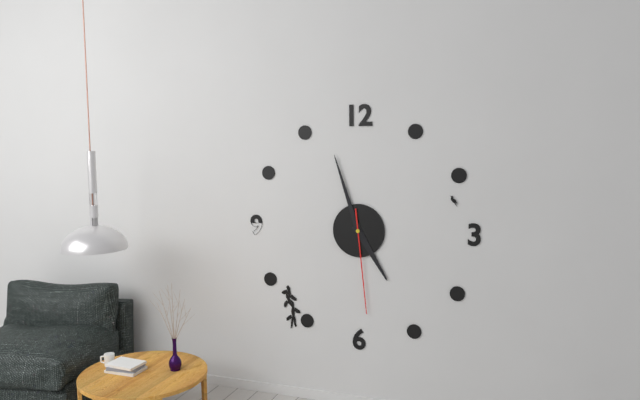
{"hour": 4, "minute": 57, "second": 29}
